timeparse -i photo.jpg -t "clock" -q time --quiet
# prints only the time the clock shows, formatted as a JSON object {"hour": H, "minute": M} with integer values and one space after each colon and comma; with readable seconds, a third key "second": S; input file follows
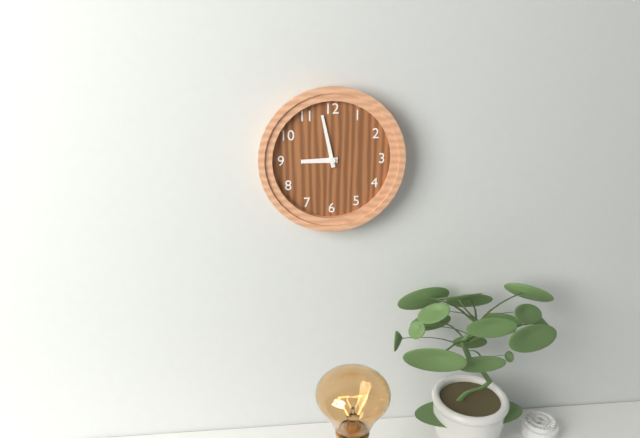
{"hour": 8, "minute": 58}
